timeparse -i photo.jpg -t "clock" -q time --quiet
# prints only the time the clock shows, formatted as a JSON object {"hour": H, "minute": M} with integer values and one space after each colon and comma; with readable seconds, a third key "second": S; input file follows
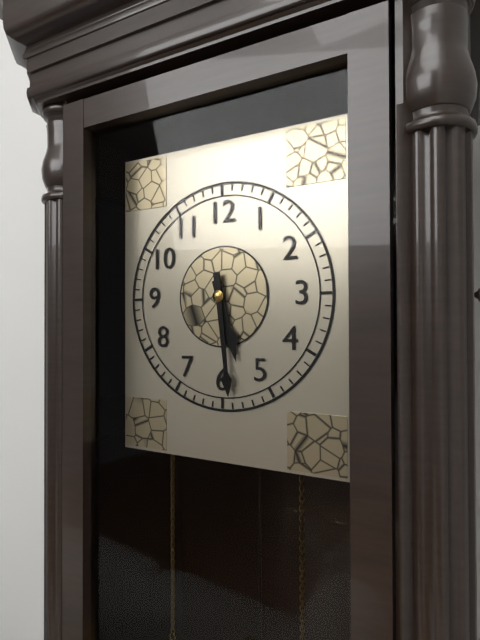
{"hour": 5, "minute": 29}
